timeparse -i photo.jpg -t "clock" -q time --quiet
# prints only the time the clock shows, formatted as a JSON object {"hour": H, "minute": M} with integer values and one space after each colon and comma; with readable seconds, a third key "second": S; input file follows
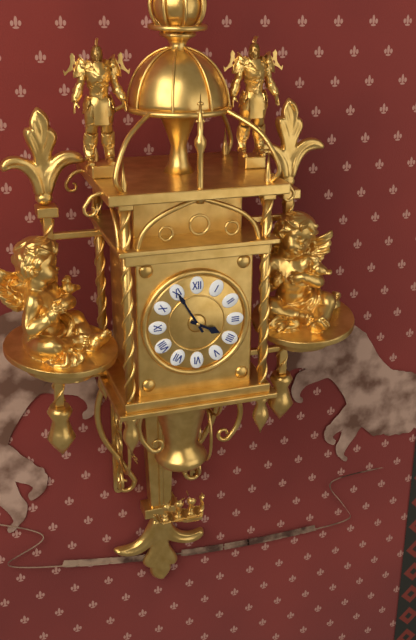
{"hour": 3, "minute": 55}
